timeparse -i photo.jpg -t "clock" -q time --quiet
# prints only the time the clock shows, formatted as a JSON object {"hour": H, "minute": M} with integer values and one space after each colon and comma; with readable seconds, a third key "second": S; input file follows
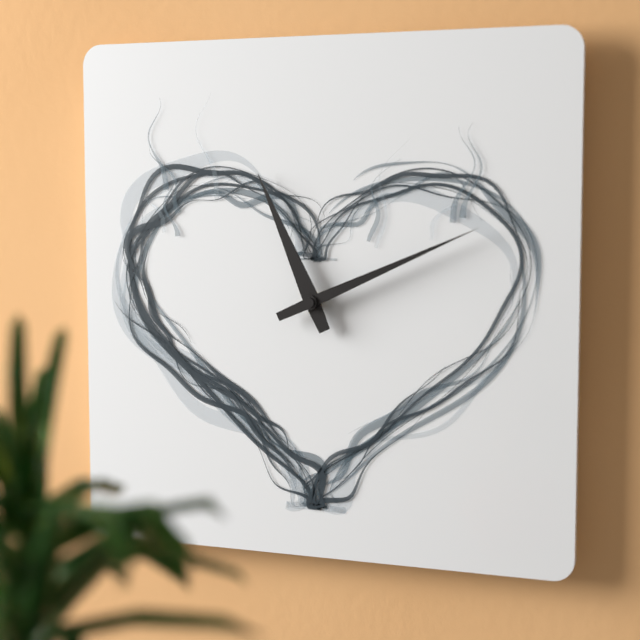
{"hour": 11, "minute": 11}
